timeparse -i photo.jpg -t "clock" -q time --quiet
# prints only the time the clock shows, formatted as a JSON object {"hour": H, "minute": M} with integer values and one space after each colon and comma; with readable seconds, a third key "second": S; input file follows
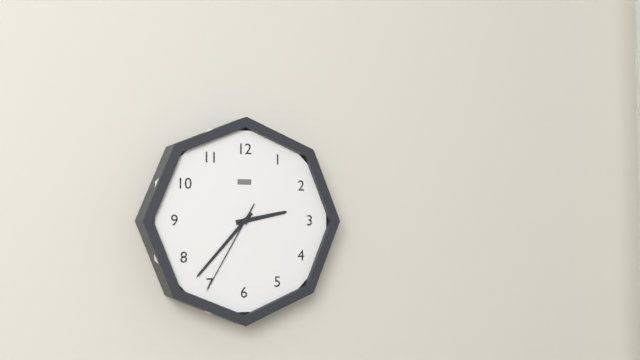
{"hour": 2, "minute": 37, "second": 35}
